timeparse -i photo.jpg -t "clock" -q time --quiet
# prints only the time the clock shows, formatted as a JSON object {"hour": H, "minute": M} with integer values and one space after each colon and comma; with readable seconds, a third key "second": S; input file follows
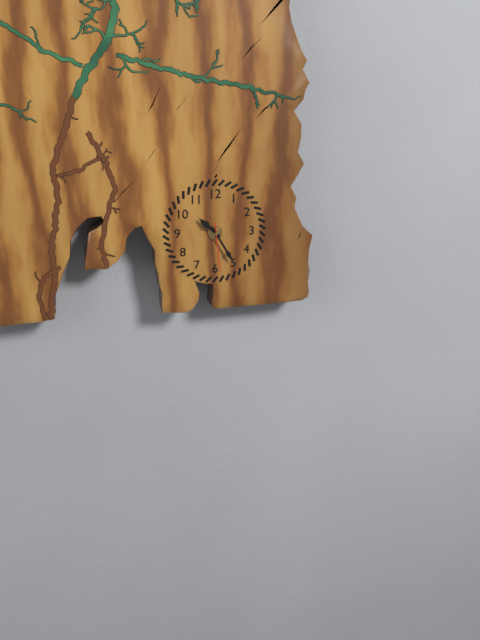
{"hour": 10, "minute": 25}
